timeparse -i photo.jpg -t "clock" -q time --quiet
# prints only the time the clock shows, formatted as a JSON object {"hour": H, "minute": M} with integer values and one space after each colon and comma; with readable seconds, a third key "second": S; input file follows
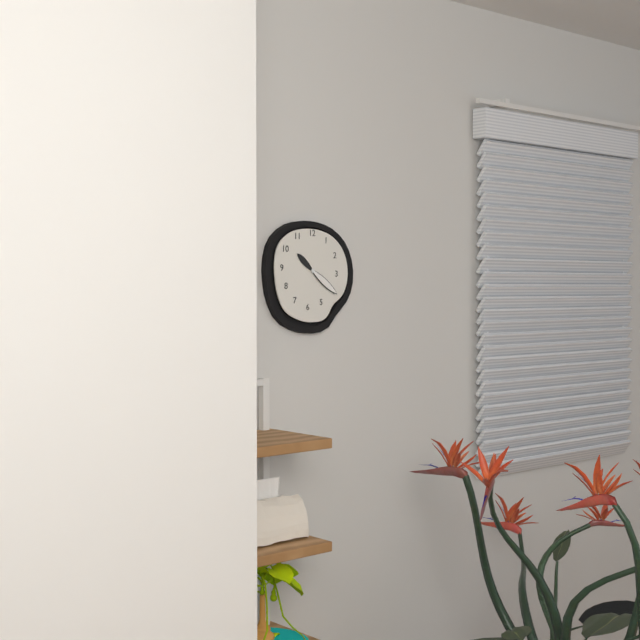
{"hour": 10, "minute": 21}
